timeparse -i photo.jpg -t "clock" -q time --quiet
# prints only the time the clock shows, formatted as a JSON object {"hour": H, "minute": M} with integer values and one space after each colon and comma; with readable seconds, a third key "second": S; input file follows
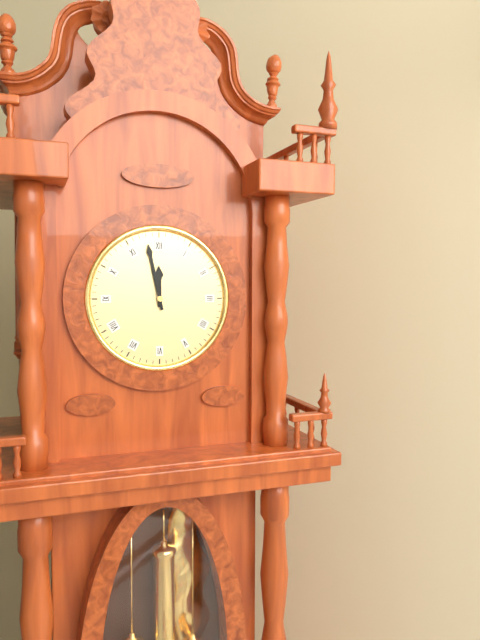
{"hour": 11, "minute": 58}
